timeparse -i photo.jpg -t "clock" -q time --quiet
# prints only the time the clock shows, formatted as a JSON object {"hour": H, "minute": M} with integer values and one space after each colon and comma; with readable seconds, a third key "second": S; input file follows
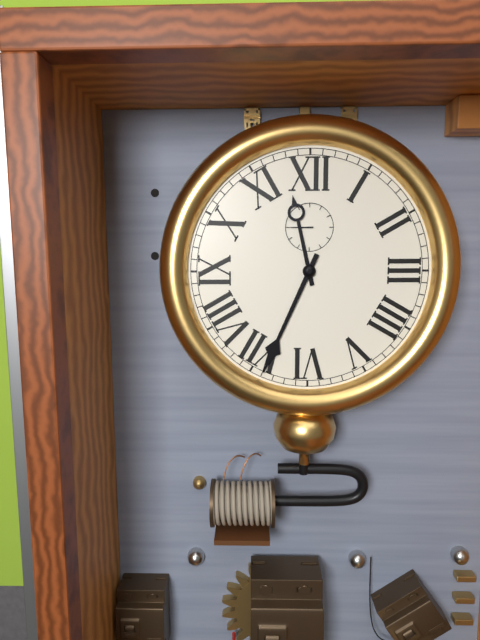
{"hour": 11, "minute": 34}
